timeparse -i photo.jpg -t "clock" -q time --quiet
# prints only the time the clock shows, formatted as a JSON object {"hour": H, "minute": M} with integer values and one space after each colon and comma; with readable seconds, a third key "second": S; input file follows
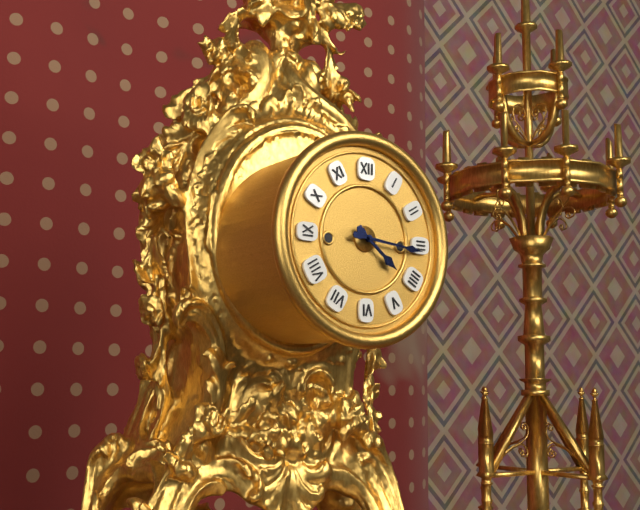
{"hour": 4, "minute": 16}
